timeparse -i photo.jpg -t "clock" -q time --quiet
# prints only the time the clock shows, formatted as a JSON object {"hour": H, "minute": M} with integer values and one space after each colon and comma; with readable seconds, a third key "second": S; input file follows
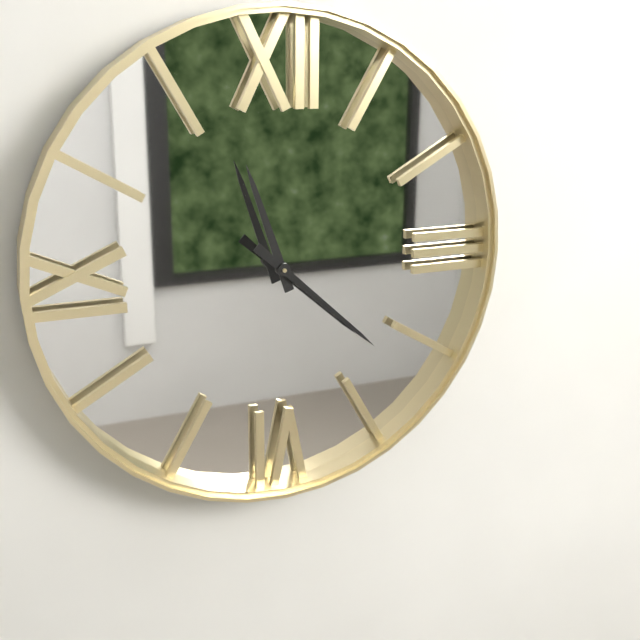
{"hour": 11, "minute": 22}
